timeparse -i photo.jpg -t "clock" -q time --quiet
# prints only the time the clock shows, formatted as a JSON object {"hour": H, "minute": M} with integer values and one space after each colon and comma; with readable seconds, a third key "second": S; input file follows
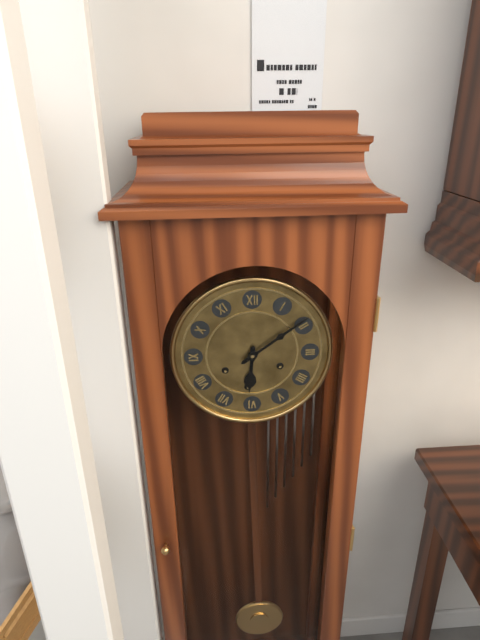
{"hour": 6, "minute": 9}
